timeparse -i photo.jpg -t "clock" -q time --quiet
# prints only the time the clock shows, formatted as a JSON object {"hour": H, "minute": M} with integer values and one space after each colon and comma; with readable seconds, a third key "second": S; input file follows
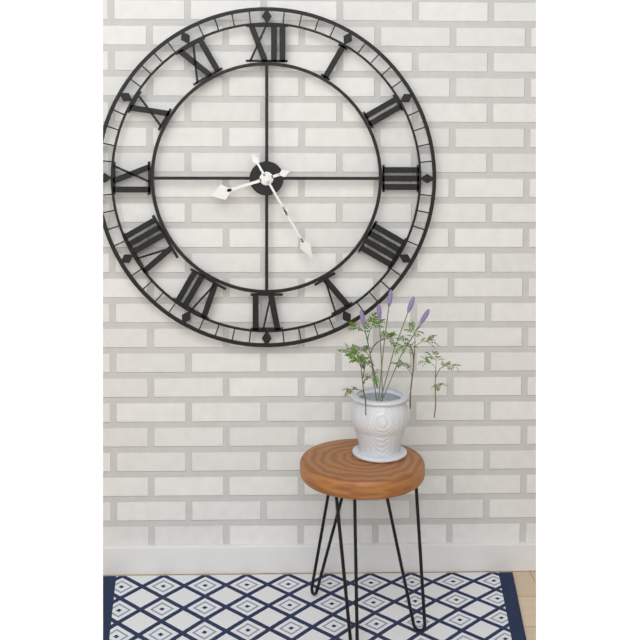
{"hour": 8, "minute": 25}
